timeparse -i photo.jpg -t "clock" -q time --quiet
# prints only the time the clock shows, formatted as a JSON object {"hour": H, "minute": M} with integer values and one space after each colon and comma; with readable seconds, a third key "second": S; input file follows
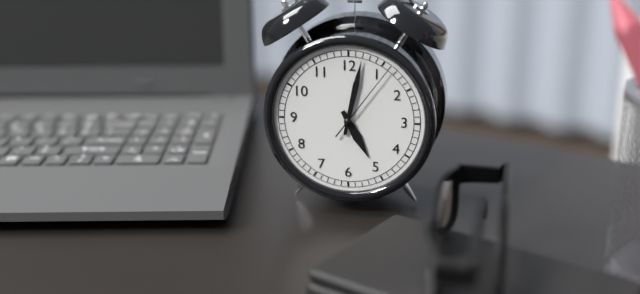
{"hour": 5, "minute": 2, "second": 6}
